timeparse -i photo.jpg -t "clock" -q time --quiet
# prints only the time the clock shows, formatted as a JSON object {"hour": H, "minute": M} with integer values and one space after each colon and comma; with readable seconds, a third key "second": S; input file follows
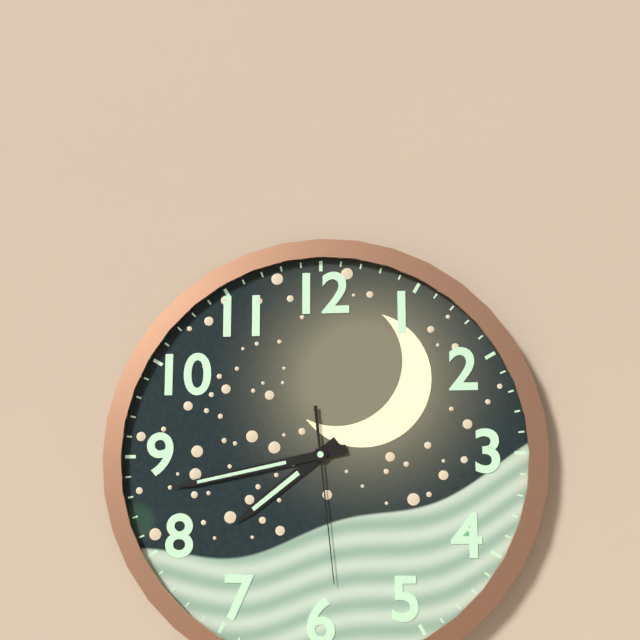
{"hour": 7, "minute": 43, "second": 29}
